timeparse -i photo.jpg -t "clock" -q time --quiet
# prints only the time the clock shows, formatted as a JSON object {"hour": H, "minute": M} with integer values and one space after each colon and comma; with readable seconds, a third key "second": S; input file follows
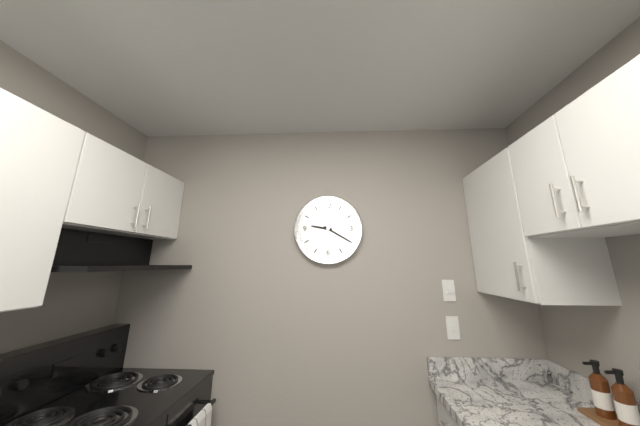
{"hour": 9, "minute": 20}
